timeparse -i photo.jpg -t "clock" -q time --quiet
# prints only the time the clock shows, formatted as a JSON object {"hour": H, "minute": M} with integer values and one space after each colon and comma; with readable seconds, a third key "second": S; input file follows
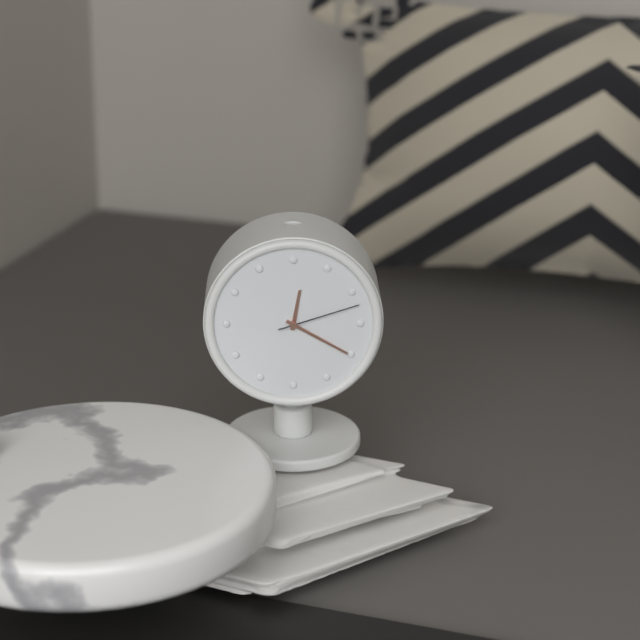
{"hour": 12, "minute": 20, "second": 12}
